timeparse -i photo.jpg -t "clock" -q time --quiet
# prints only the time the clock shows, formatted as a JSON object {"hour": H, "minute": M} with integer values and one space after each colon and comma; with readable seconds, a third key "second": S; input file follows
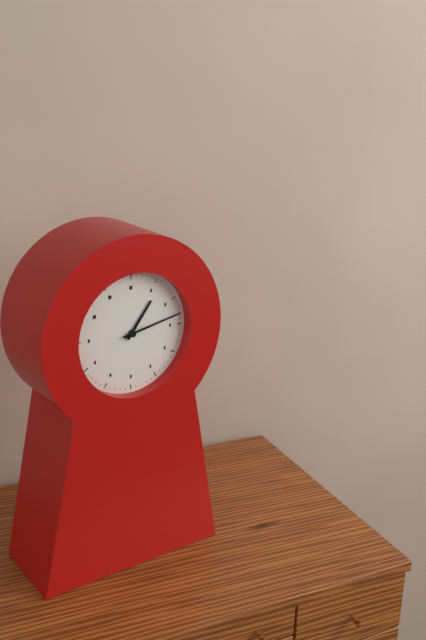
{"hour": 1, "minute": 13}
